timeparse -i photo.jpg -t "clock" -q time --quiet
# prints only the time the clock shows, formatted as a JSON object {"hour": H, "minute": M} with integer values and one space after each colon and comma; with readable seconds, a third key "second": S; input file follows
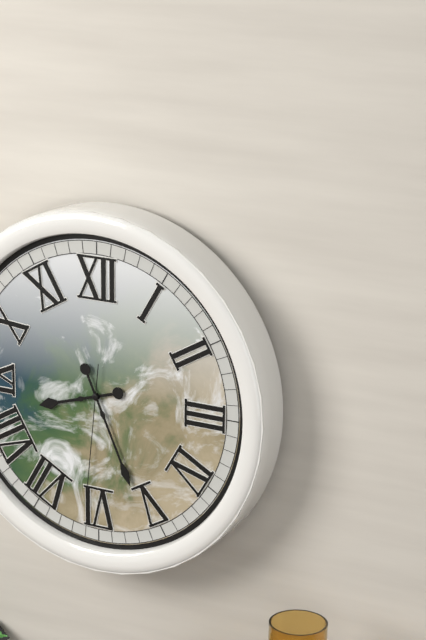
{"hour": 8, "minute": 26, "second": 31}
